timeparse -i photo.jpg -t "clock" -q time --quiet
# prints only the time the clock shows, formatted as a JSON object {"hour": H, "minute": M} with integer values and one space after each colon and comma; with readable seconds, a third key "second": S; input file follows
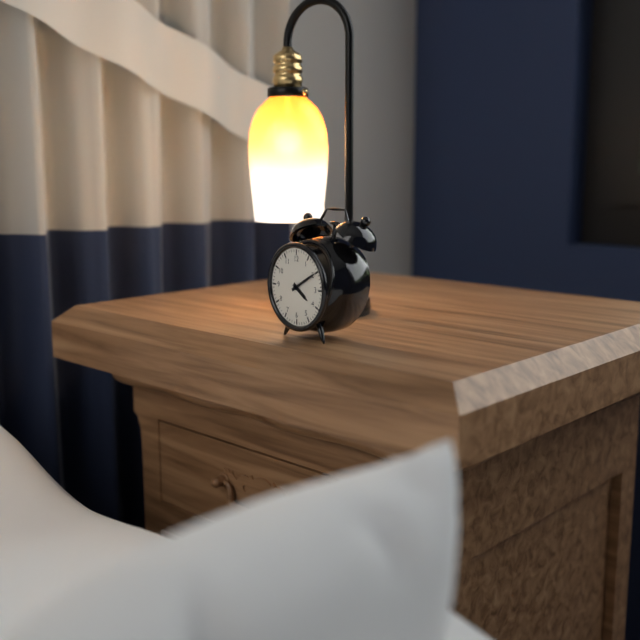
{"hour": 4, "minute": 10}
